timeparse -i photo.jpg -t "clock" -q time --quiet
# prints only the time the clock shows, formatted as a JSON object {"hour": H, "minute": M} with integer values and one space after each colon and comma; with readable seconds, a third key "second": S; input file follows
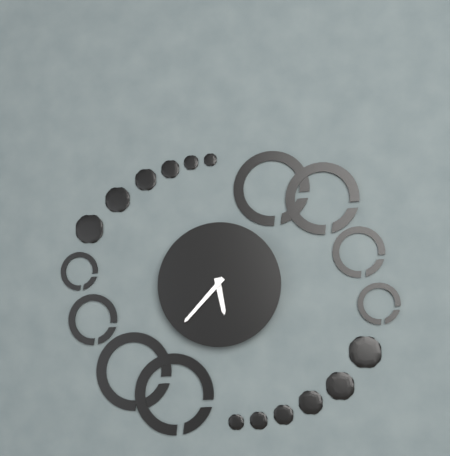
{"hour": 5, "minute": 37}
